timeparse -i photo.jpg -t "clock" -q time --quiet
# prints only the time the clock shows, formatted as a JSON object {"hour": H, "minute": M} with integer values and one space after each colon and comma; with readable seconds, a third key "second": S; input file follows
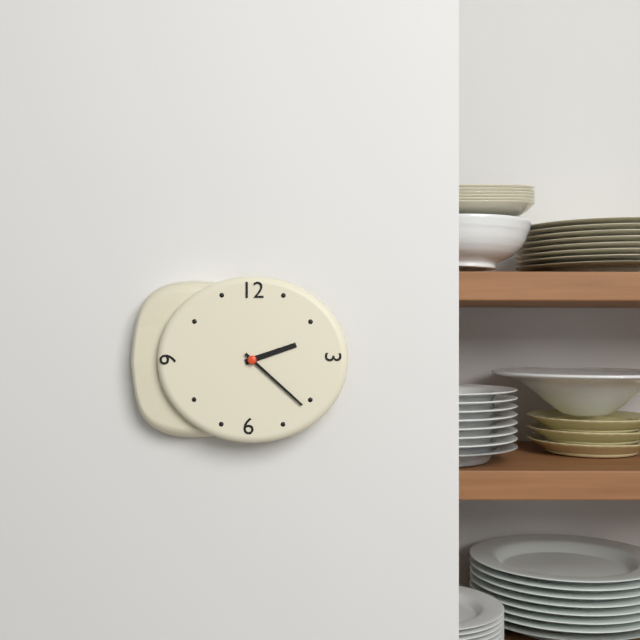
{"hour": 2, "minute": 22}
